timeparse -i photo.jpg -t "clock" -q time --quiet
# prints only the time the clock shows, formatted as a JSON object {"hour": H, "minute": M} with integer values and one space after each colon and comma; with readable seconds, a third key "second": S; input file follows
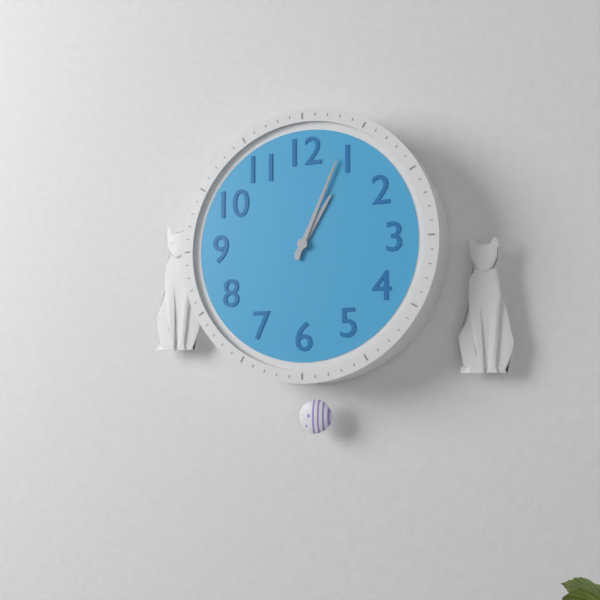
{"hour": 1, "minute": 4}
